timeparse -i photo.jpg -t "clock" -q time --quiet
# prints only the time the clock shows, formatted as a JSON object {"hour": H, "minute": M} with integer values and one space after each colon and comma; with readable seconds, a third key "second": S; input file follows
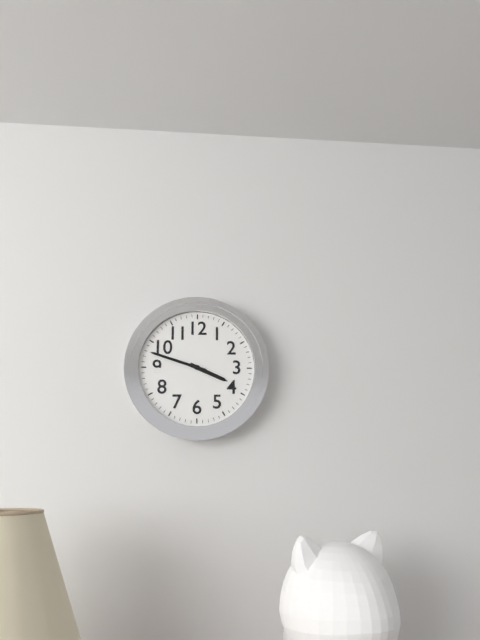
{"hour": 3, "minute": 48}
